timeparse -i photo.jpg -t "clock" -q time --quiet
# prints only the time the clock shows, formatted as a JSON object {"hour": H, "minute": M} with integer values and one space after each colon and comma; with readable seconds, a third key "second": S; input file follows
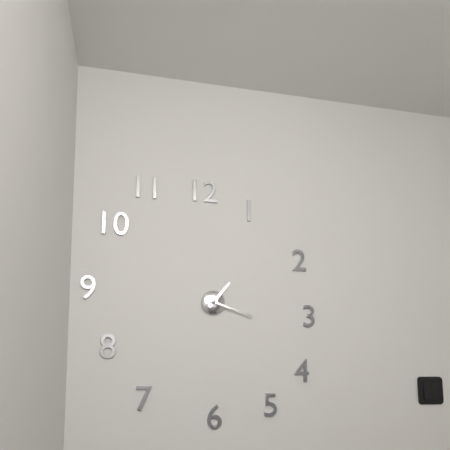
{"hour": 1, "minute": 18}
